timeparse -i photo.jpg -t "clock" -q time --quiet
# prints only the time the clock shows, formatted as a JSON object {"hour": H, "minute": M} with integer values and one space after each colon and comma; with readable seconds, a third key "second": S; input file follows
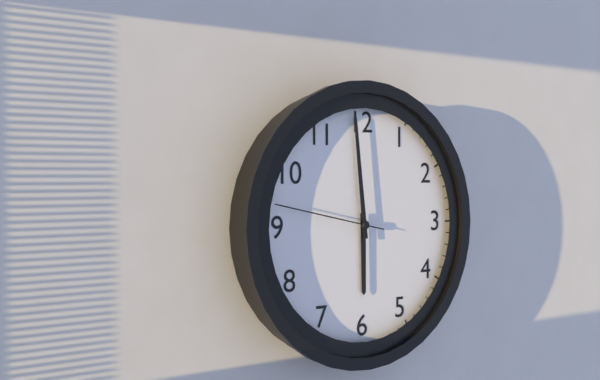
{"hour": 5, "minute": 59, "second": 47}
